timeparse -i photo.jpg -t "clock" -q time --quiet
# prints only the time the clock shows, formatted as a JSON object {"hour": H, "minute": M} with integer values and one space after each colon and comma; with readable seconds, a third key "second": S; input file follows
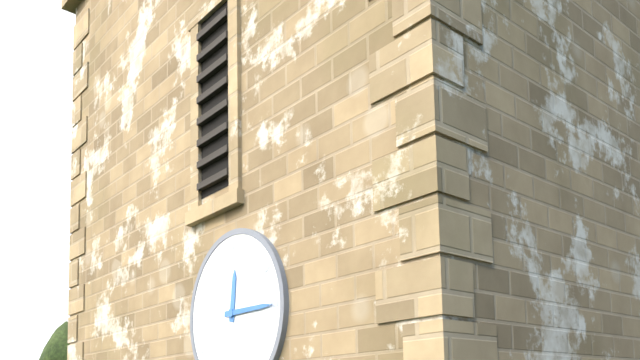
{"hour": 12, "minute": 15}
